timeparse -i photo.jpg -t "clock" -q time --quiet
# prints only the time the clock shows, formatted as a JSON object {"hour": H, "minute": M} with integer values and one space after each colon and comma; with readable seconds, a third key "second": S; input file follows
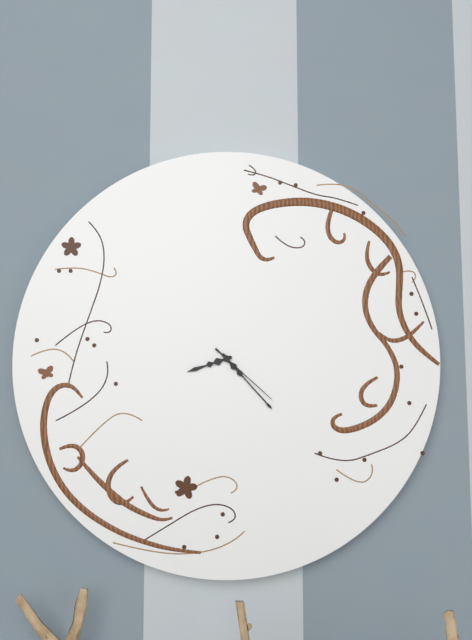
{"hour": 8, "minute": 23, "second": 22}
